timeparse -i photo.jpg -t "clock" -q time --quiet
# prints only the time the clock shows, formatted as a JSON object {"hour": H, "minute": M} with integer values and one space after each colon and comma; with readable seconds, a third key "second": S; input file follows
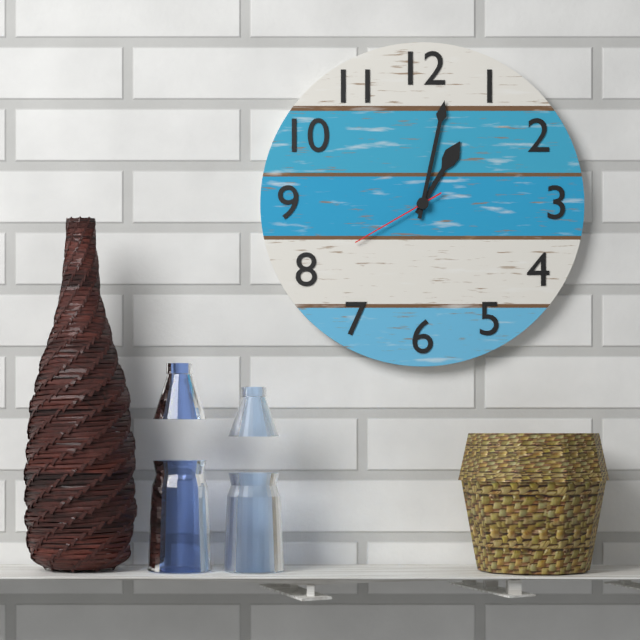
{"hour": 1, "minute": 2, "second": 40}
